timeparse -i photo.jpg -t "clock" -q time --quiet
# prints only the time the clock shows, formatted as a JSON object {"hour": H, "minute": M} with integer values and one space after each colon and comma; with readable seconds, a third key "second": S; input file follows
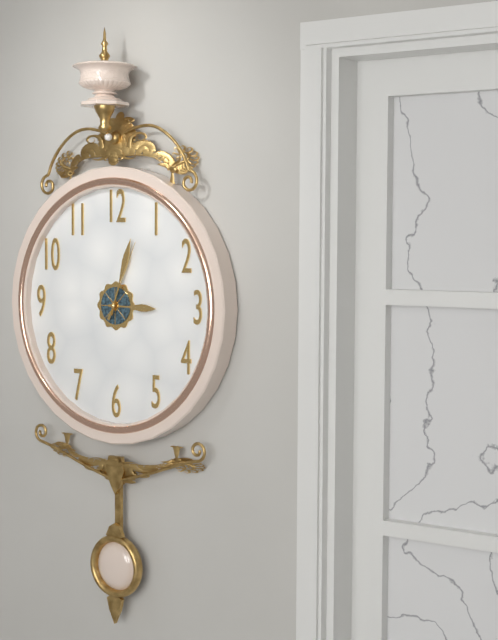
{"hour": 3, "minute": 3, "second": 4}
